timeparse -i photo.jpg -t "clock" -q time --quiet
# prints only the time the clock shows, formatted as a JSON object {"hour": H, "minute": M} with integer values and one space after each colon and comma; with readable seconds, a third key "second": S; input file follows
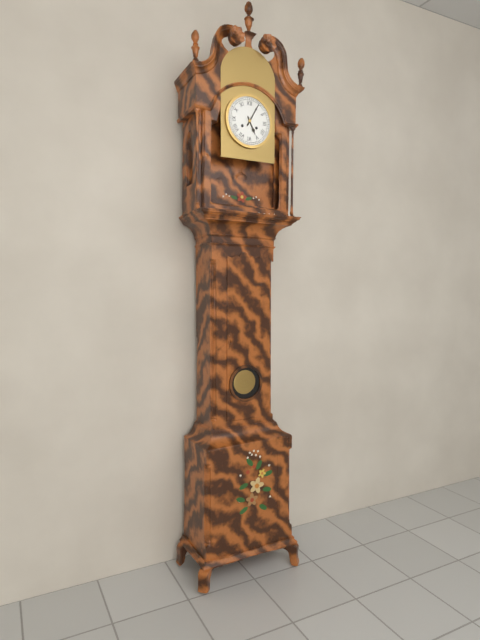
{"hour": 5, "minute": 5}
